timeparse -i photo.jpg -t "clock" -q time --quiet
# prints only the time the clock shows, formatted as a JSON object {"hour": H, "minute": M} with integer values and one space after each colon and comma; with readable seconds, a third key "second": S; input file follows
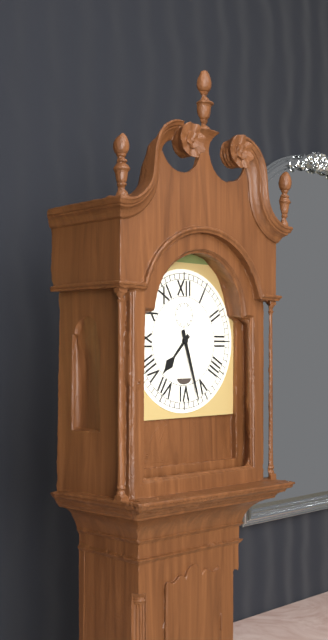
{"hour": 7, "minute": 27}
